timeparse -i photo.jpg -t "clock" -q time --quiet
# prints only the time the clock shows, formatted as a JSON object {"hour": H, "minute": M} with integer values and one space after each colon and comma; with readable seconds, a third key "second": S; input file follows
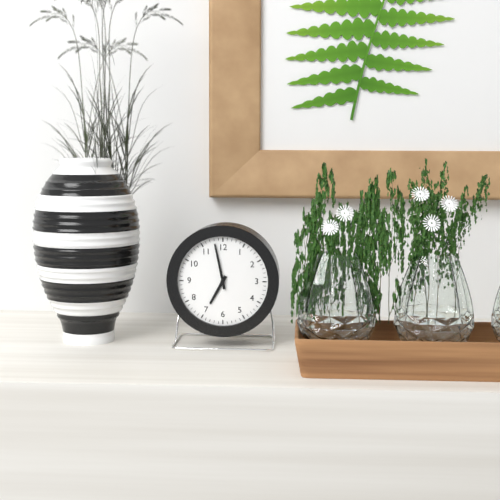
{"hour": 6, "minute": 58}
